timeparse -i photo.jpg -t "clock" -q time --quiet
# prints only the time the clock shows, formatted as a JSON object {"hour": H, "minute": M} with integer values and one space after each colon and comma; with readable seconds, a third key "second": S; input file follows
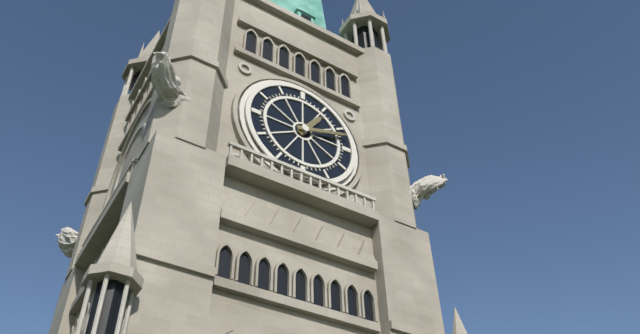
{"hour": 1, "minute": 12}
